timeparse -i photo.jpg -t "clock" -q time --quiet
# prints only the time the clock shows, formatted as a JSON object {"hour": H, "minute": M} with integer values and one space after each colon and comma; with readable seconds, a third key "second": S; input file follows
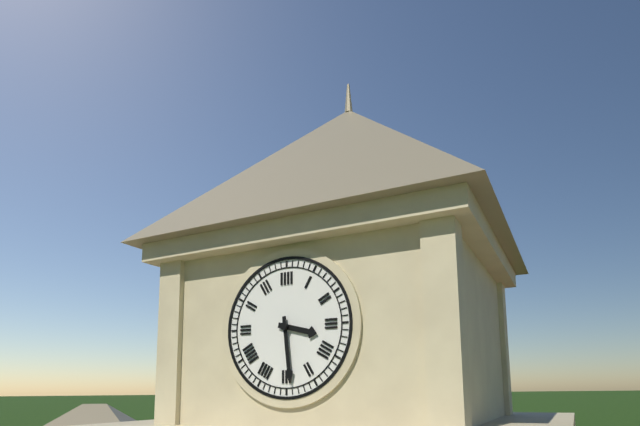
{"hour": 3, "minute": 29}
